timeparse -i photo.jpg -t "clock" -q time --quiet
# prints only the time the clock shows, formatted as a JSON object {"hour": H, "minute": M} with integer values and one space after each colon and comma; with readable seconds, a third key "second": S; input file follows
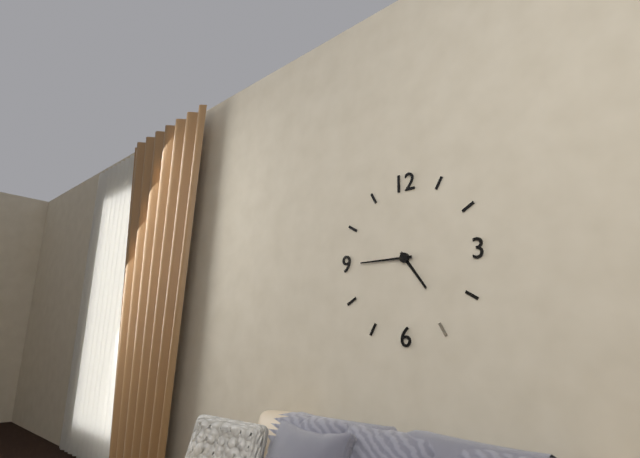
{"hour": 4, "minute": 45}
